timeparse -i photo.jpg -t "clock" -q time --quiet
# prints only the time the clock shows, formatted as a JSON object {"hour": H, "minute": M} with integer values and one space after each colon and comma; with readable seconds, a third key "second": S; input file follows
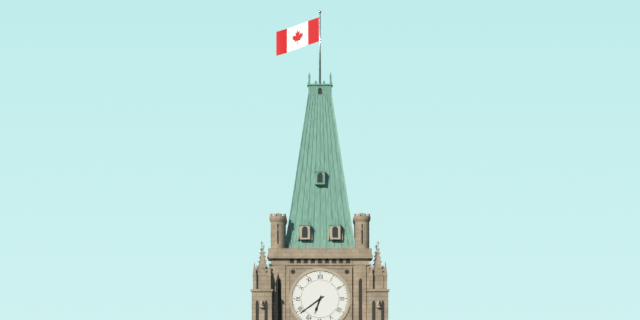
{"hour": 6, "minute": 39}
